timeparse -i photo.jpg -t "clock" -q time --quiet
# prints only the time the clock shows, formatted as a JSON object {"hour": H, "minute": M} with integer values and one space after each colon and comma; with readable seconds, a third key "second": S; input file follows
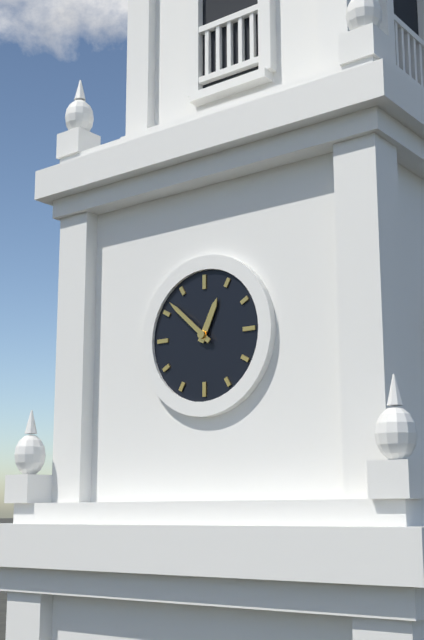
{"hour": 12, "minute": 52}
